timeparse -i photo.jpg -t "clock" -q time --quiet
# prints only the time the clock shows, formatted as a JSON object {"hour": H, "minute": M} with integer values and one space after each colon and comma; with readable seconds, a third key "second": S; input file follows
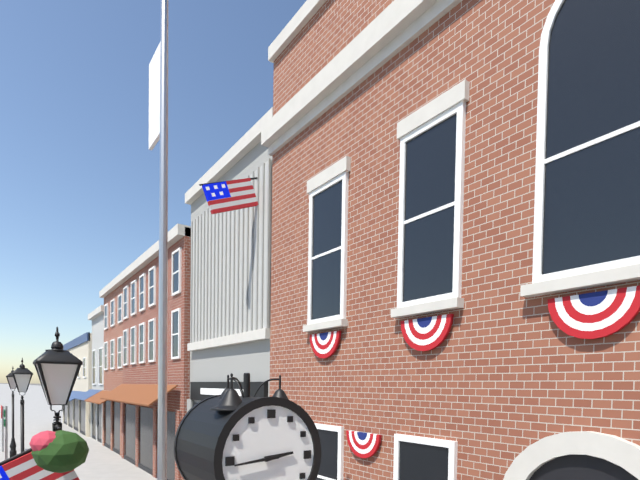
{"hour": 2, "minute": 44}
